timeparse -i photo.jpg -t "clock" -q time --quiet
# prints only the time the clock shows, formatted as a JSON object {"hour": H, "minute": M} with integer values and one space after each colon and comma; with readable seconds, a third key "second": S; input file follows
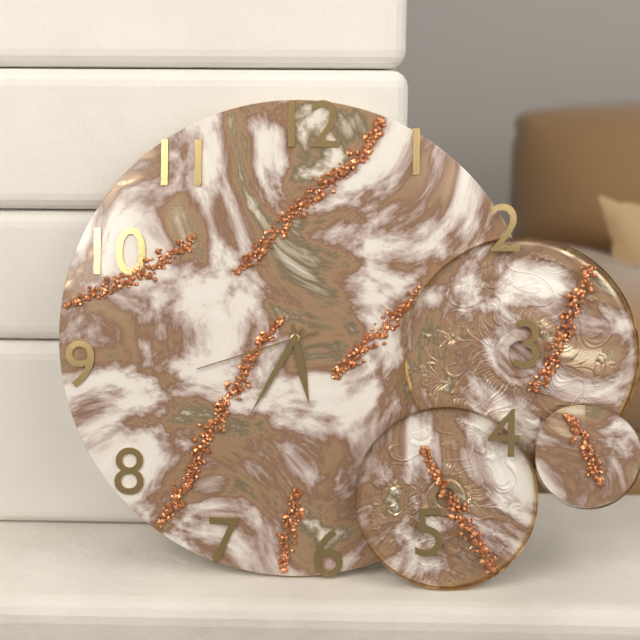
{"hour": 5, "minute": 35, "second": 42}
